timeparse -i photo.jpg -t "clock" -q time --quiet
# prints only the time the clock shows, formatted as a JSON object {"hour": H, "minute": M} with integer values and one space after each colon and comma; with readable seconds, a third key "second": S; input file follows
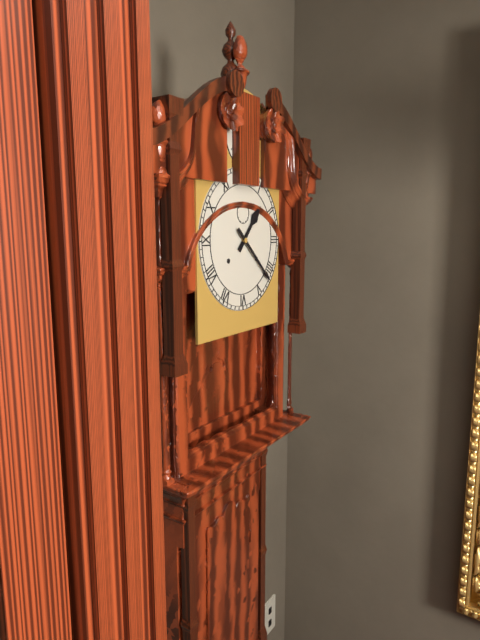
{"hour": 1, "minute": 22}
